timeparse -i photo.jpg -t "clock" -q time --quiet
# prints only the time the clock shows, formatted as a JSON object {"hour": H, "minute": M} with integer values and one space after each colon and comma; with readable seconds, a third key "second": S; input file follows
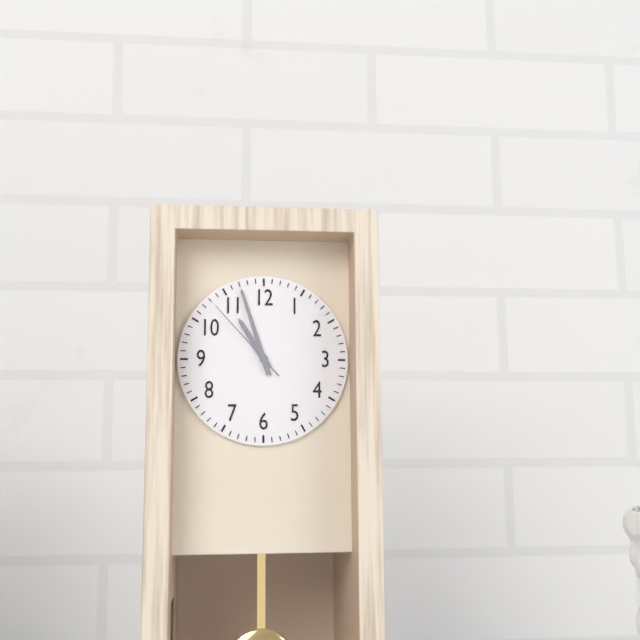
{"hour": 10, "minute": 57, "second": 53}
